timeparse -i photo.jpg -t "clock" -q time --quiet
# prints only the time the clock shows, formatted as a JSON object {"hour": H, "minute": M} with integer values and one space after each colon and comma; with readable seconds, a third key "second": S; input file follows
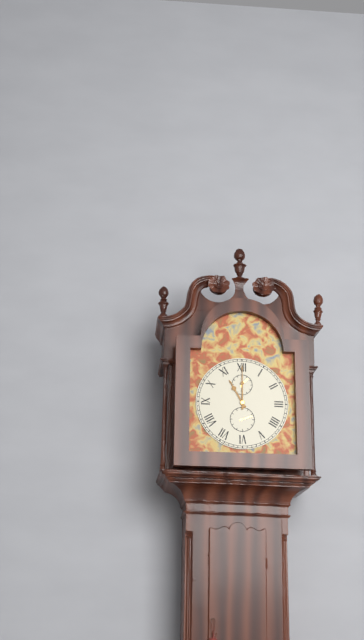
{"hour": 11, "minute": 0}
